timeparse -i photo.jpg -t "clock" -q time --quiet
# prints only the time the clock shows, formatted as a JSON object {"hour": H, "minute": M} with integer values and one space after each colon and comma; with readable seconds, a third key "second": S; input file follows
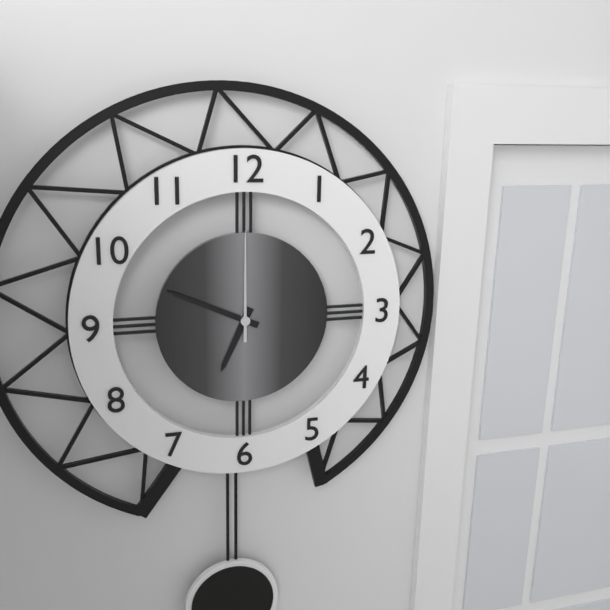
{"hour": 6, "minute": 49, "second": 0}
